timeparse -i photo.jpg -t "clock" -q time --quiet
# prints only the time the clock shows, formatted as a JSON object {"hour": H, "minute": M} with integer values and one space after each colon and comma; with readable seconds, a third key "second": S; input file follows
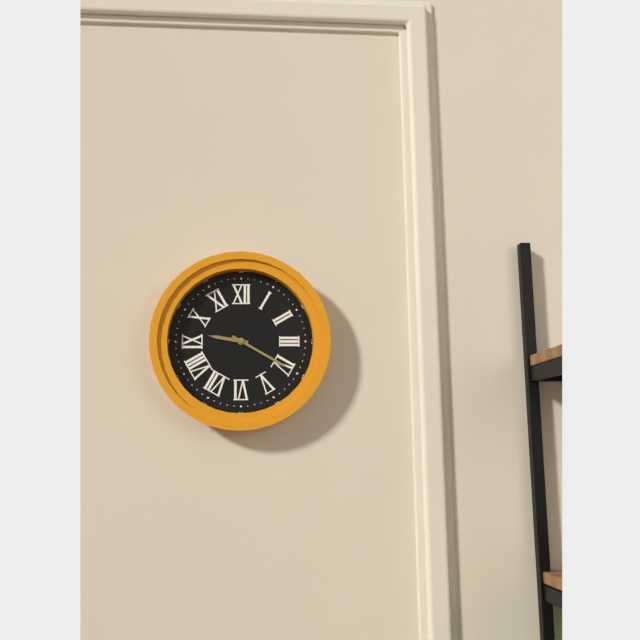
{"hour": 9, "minute": 20}
